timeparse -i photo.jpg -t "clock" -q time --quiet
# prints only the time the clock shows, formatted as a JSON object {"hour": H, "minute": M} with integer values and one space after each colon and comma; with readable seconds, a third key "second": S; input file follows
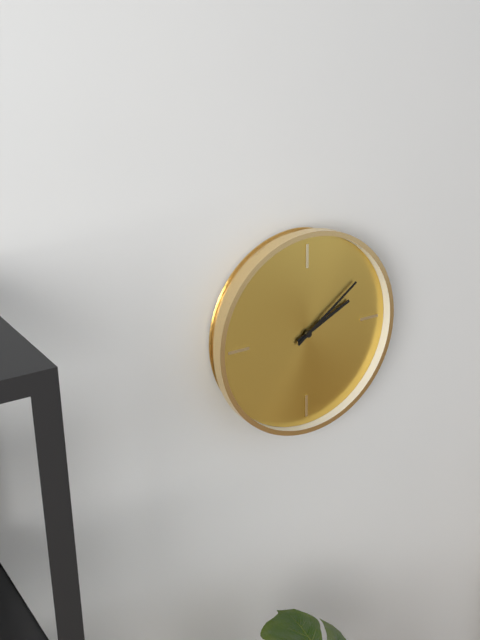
{"hour": 2, "minute": 9}
